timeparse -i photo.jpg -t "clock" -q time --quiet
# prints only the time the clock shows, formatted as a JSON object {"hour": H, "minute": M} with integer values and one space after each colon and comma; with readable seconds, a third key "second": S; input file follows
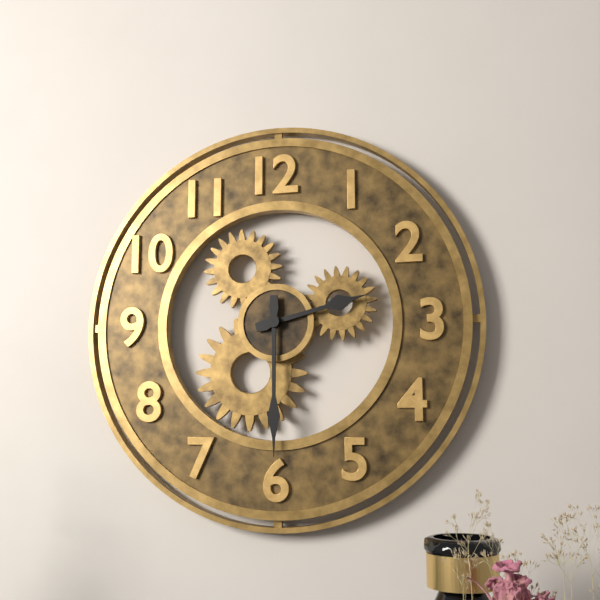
{"hour": 2, "minute": 30}
